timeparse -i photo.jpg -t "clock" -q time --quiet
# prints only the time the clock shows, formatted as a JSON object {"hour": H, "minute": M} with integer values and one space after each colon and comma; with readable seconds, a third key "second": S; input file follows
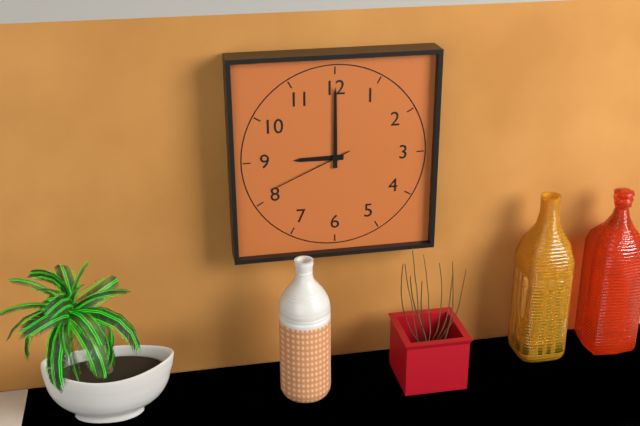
{"hour": 9, "minute": 0, "second": 41}
